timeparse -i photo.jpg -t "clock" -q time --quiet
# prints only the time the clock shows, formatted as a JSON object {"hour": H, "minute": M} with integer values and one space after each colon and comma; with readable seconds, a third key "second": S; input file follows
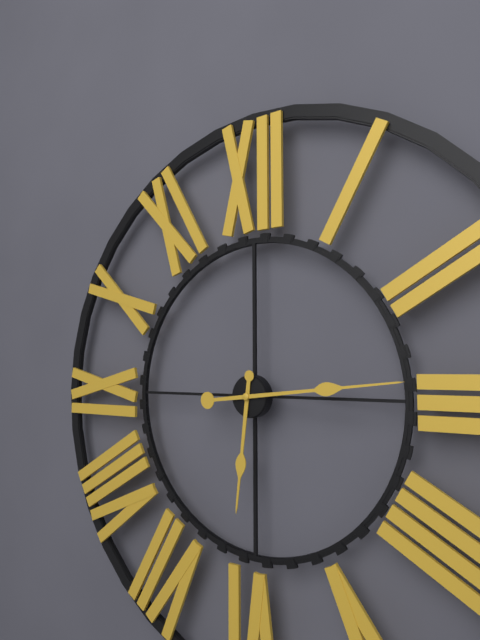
{"hour": 6, "minute": 14}
